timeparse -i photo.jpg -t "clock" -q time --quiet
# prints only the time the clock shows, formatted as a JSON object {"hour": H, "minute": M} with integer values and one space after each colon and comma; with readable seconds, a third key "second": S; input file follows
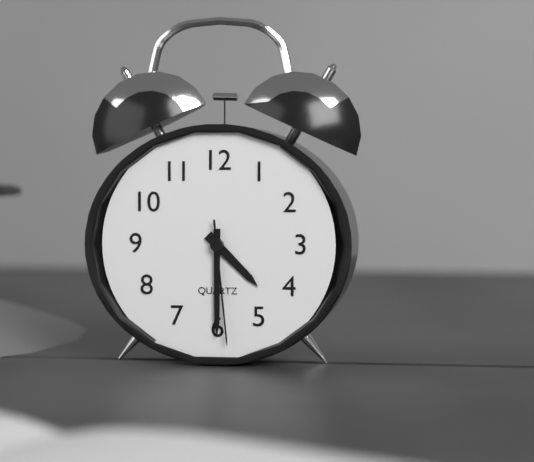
{"hour": 4, "minute": 30, "second": 29}
